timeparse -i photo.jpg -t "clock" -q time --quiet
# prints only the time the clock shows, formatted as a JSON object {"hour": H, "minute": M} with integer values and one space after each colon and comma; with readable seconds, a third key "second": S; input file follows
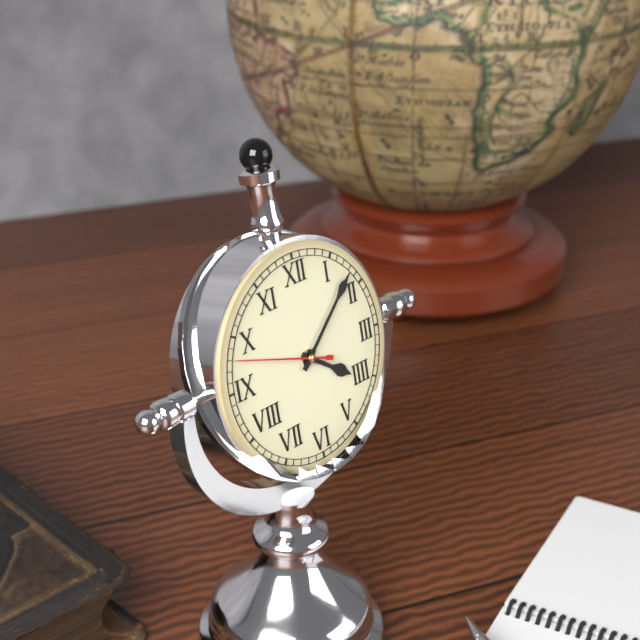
{"hour": 4, "minute": 8, "second": 48}
